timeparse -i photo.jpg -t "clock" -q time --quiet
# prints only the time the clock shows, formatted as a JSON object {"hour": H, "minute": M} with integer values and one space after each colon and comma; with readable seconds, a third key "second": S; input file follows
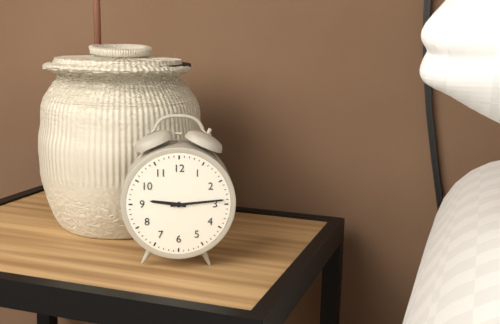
{"hour": 9, "minute": 14}
